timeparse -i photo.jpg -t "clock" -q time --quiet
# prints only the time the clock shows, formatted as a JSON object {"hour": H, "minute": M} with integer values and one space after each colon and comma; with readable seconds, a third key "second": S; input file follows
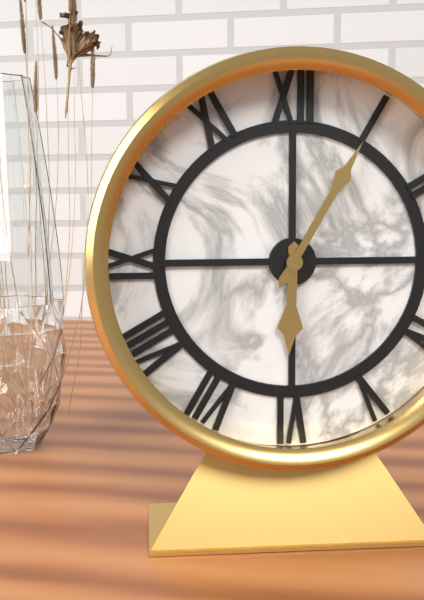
{"hour": 6, "minute": 5}
